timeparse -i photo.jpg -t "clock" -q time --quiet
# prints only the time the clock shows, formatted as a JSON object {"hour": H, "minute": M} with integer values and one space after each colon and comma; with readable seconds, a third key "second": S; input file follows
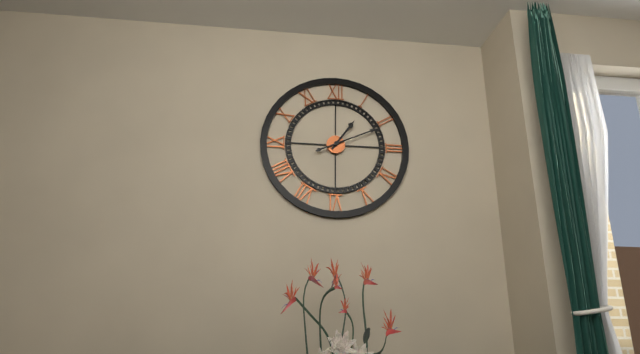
{"hour": 1, "minute": 11}
